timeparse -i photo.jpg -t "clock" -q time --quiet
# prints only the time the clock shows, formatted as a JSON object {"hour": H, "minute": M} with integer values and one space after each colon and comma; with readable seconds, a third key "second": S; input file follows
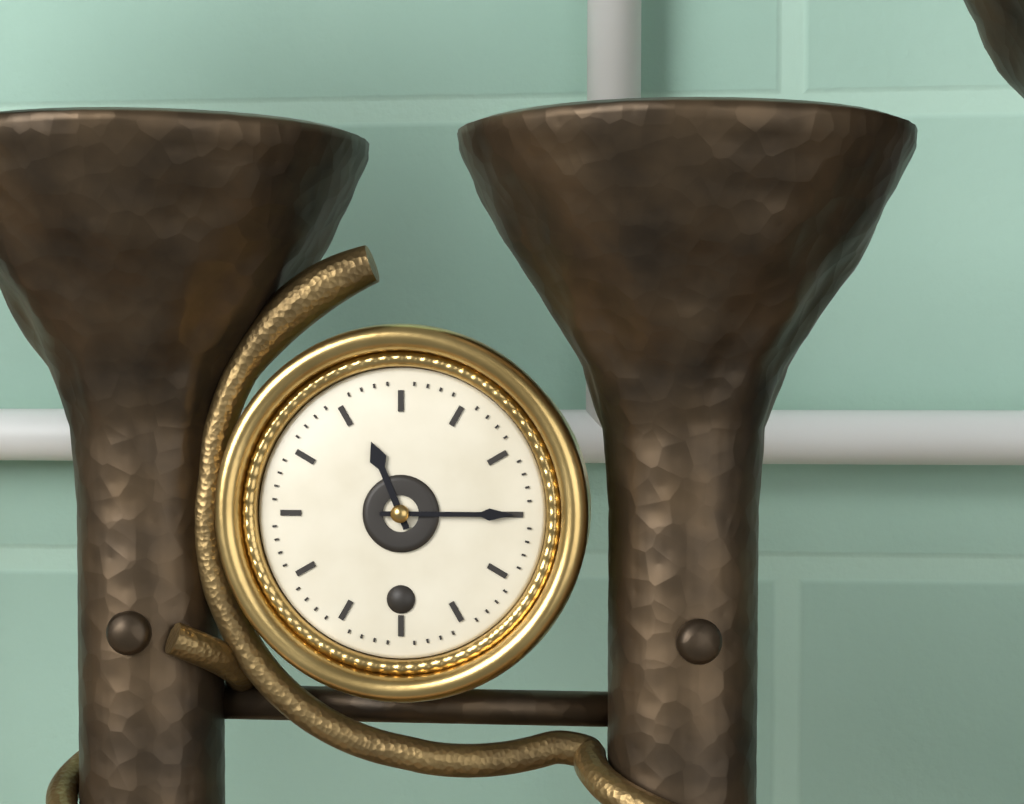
{"hour": 11, "minute": 15}
